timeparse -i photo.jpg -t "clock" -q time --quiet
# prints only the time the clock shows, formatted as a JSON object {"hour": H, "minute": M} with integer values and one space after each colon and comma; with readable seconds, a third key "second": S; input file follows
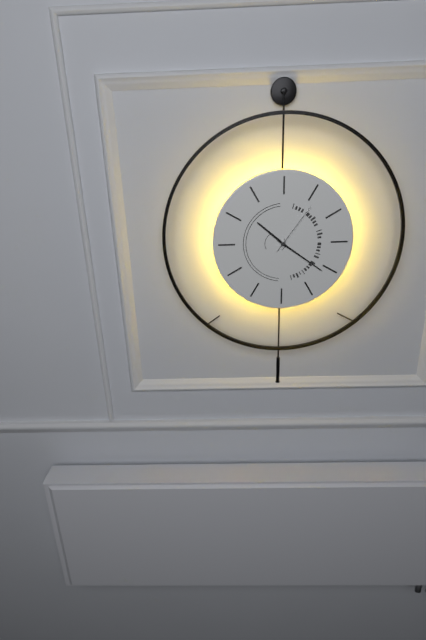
{"hour": 10, "minute": 21, "second": 6}
